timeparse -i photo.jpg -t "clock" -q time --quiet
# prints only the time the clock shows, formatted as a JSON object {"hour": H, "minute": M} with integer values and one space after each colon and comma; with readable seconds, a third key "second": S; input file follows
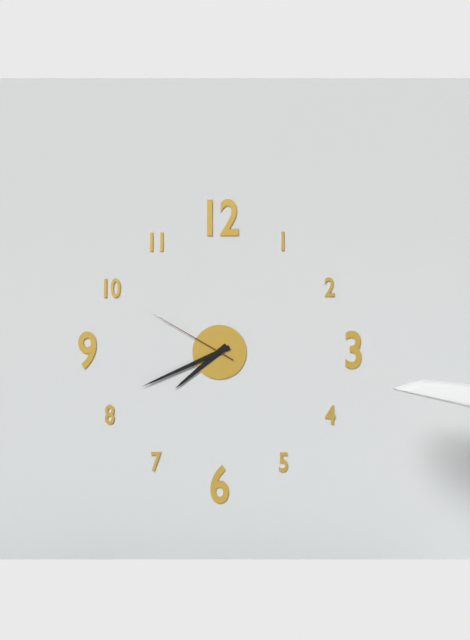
{"hour": 7, "minute": 41, "second": 50}
